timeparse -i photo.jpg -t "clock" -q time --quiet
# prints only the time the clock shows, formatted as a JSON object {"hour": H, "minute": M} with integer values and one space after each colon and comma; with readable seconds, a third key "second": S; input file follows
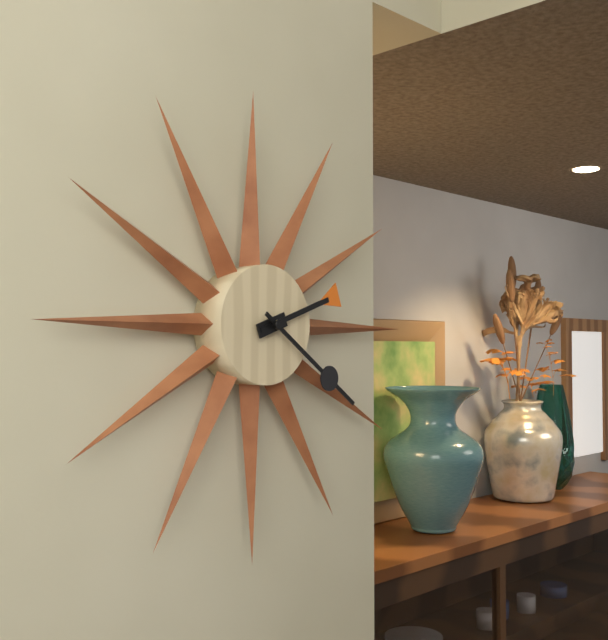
{"hour": 2, "minute": 21}
